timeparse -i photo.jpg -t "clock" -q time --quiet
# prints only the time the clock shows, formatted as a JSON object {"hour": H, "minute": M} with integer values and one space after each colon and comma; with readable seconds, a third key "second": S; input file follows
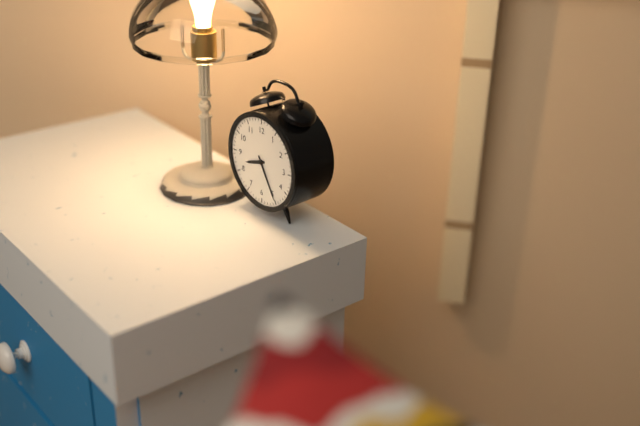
{"hour": 8, "minute": 25}
